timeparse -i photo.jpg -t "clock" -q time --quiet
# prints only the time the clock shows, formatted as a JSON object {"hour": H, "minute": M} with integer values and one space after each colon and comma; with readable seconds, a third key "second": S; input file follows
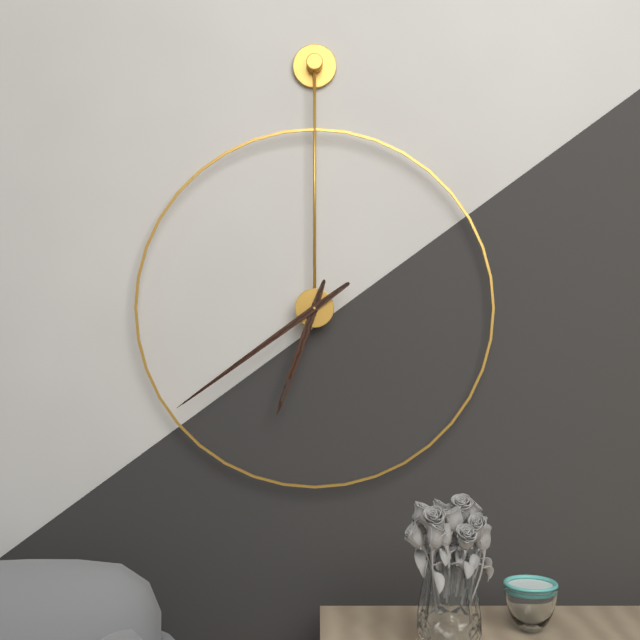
{"hour": 6, "minute": 39}
